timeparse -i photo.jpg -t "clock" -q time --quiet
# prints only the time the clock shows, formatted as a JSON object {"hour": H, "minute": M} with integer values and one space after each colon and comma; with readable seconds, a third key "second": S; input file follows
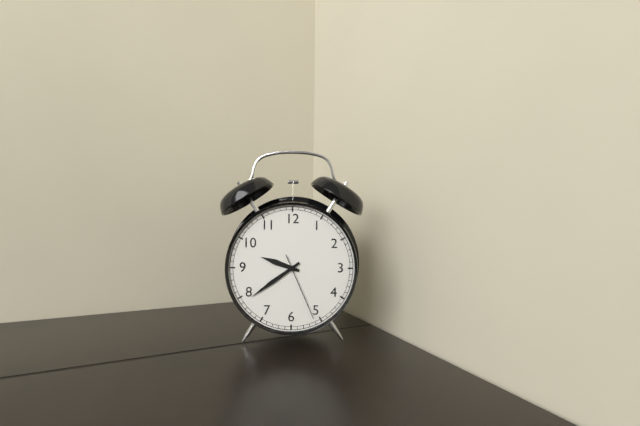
{"hour": 9, "minute": 39, "second": 26}
